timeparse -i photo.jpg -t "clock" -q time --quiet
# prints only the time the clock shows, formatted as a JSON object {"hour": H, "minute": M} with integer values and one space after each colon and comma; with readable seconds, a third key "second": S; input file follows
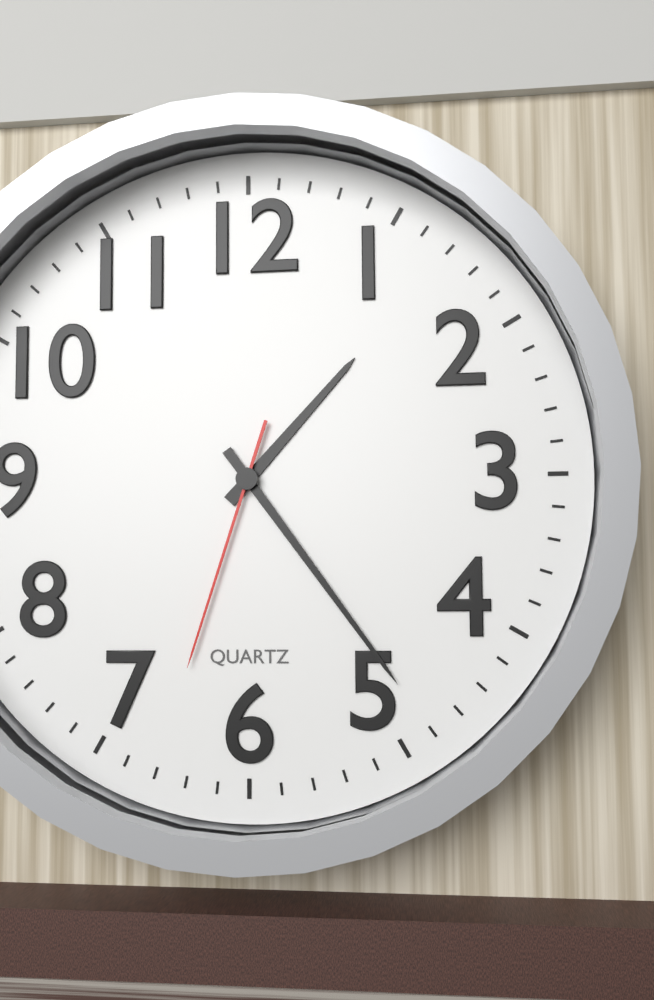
{"hour": 1, "minute": 24, "second": 33}
